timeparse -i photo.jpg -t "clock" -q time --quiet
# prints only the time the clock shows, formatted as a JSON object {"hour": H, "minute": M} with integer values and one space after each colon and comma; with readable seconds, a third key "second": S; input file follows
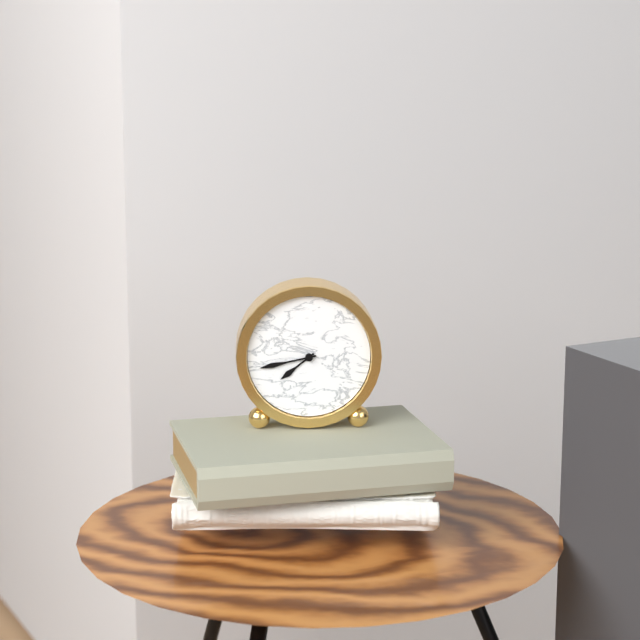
{"hour": 7, "minute": 43}
